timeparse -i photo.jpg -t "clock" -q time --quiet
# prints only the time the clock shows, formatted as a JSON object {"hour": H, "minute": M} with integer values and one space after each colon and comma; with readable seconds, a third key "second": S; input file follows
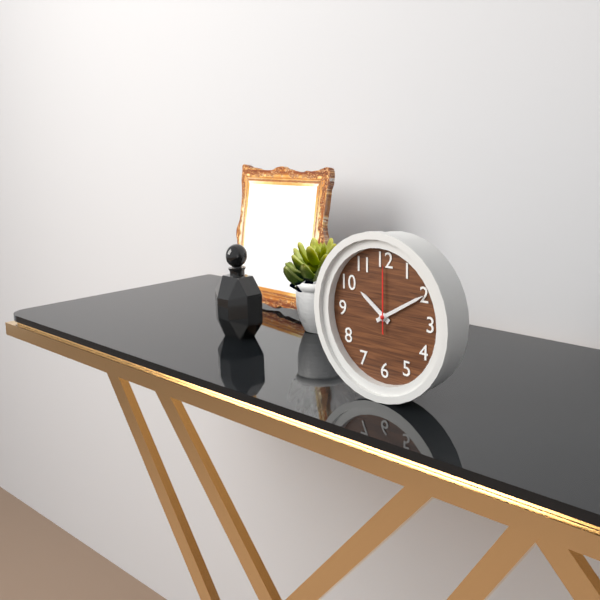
{"hour": 10, "minute": 10, "second": 0}
